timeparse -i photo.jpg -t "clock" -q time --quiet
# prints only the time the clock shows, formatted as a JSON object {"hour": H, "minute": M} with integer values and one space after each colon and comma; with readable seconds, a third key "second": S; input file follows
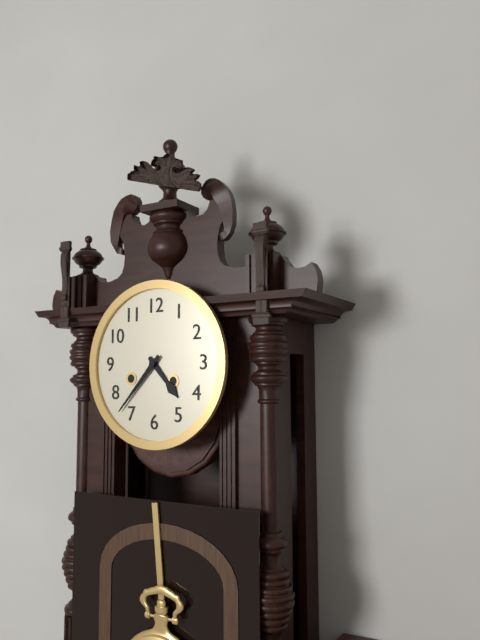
{"hour": 4, "minute": 37}
